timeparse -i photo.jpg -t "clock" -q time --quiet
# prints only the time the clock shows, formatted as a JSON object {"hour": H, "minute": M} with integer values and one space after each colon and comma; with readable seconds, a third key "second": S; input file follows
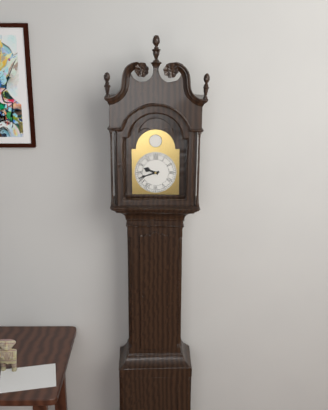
{"hour": 9, "minute": 42}
